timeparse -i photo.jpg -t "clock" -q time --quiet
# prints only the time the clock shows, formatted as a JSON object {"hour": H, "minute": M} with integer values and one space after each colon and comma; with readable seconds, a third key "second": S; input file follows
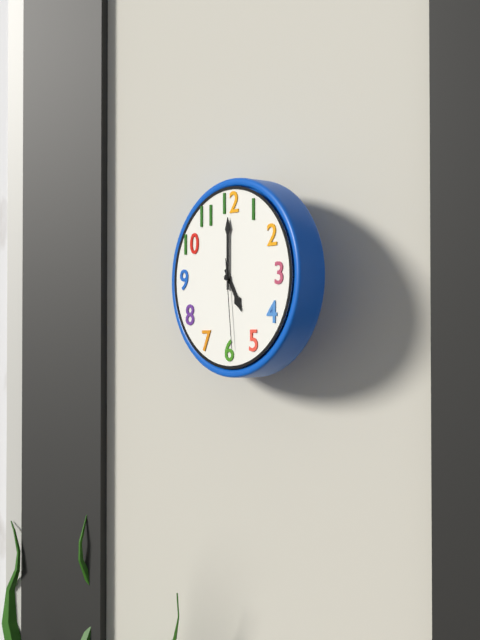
{"hour": 5, "minute": 0, "second": 29}
